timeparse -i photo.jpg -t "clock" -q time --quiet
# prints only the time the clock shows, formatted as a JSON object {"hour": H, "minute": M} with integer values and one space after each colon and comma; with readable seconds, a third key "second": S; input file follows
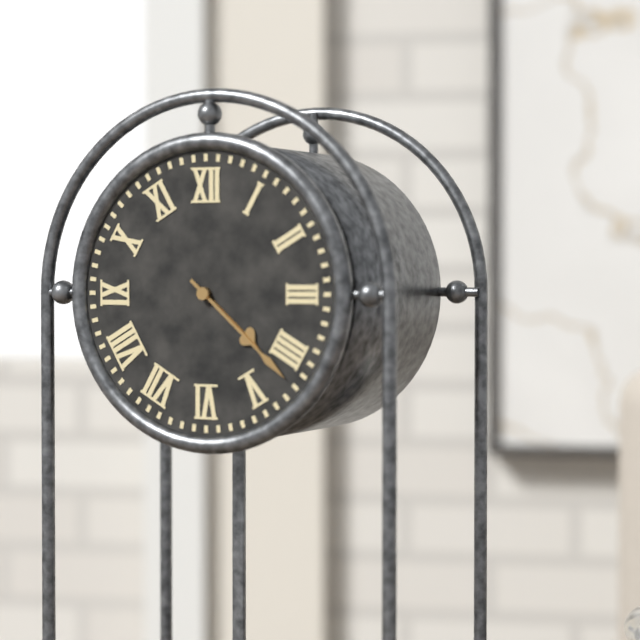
{"hour": 4, "minute": 22}
